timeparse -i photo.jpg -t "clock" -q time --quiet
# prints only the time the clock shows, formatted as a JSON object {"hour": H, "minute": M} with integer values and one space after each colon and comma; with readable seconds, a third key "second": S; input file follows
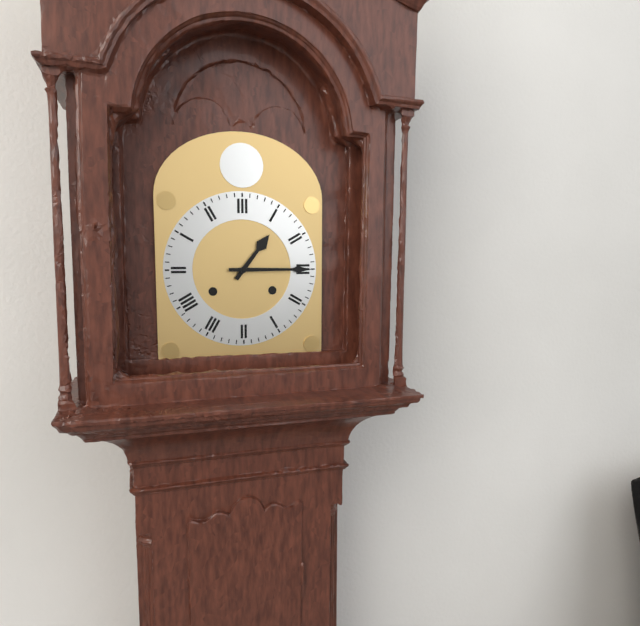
{"hour": 1, "minute": 15}
